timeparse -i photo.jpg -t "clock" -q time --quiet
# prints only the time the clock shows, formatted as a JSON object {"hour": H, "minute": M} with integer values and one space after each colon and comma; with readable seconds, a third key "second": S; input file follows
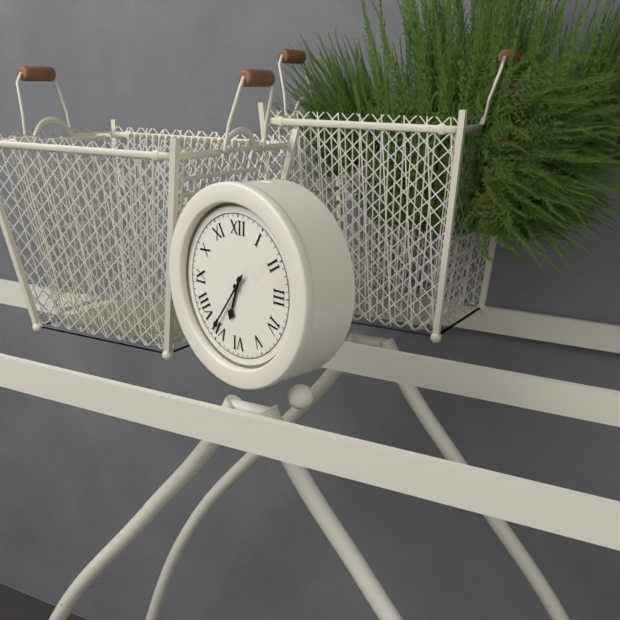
{"hour": 6, "minute": 36}
